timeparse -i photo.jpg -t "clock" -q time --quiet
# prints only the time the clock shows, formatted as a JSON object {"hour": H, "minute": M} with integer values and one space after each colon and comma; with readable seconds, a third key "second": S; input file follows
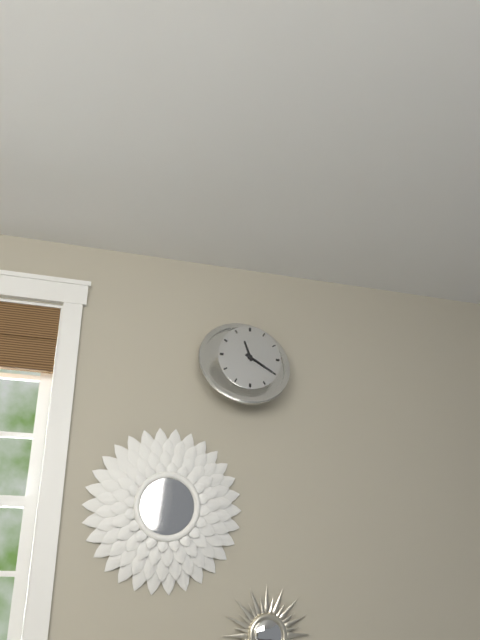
{"hour": 11, "minute": 20}
